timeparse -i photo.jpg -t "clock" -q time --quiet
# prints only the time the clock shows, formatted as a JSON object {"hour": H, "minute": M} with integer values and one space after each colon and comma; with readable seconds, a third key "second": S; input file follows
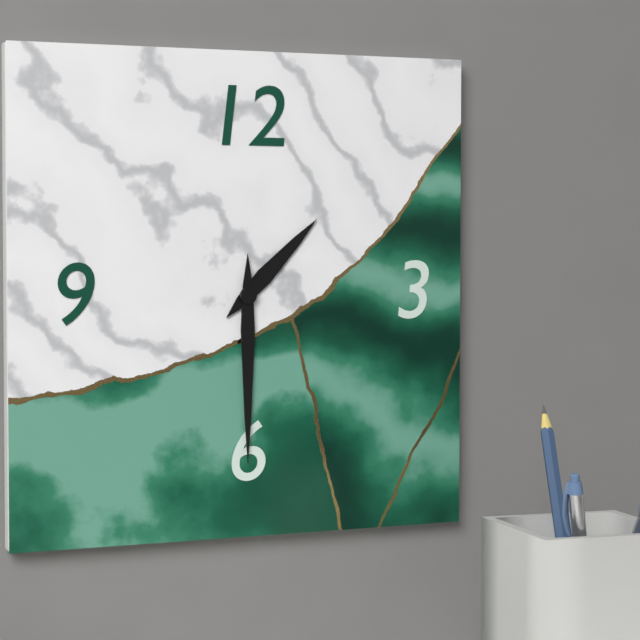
{"hour": 1, "minute": 30}
